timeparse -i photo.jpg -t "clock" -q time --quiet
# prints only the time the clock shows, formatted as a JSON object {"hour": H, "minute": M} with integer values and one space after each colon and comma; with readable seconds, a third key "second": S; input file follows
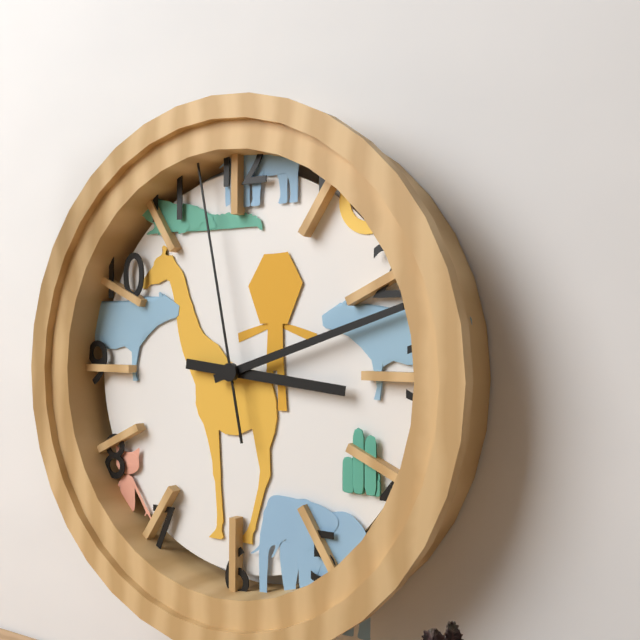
{"hour": 3, "minute": 12, "second": 58}
